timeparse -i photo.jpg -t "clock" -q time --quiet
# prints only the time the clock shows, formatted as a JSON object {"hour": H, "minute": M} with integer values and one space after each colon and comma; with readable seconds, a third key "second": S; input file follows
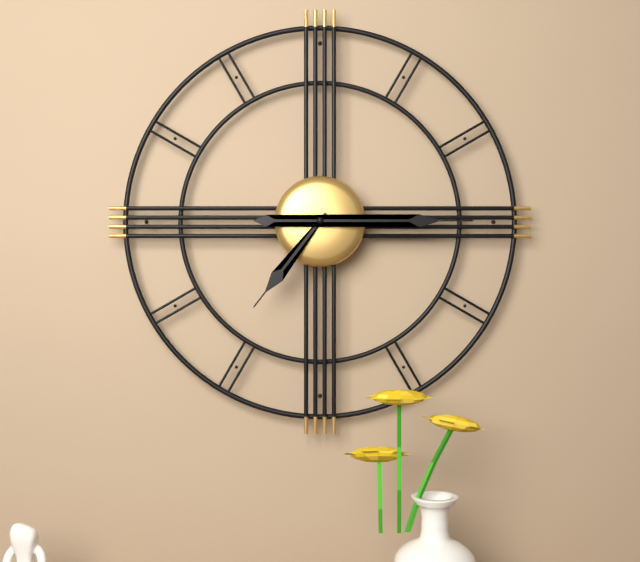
{"hour": 7, "minute": 15}
